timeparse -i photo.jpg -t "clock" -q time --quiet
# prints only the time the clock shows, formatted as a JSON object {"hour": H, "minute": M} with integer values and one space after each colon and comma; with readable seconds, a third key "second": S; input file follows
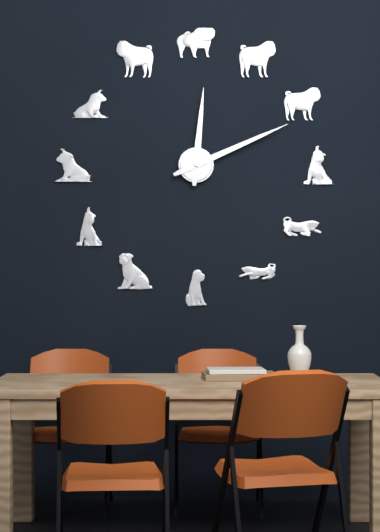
{"hour": 12, "minute": 11}
